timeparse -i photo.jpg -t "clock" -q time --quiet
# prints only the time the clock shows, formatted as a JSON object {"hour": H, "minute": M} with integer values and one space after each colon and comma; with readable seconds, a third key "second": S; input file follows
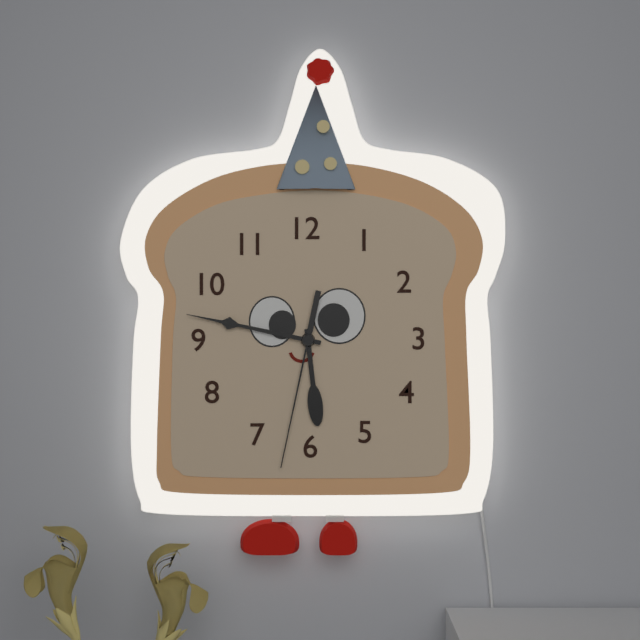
{"hour": 5, "minute": 47, "second": 32}
